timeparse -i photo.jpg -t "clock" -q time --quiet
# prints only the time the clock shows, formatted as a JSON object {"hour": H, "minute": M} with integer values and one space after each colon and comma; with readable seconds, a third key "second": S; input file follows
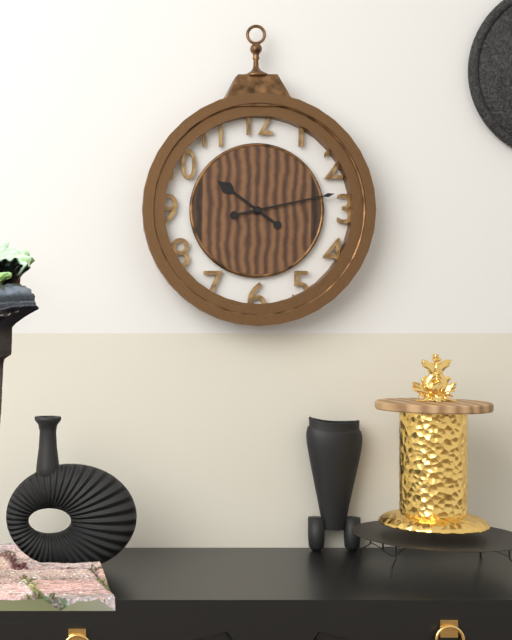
{"hour": 10, "minute": 13}
